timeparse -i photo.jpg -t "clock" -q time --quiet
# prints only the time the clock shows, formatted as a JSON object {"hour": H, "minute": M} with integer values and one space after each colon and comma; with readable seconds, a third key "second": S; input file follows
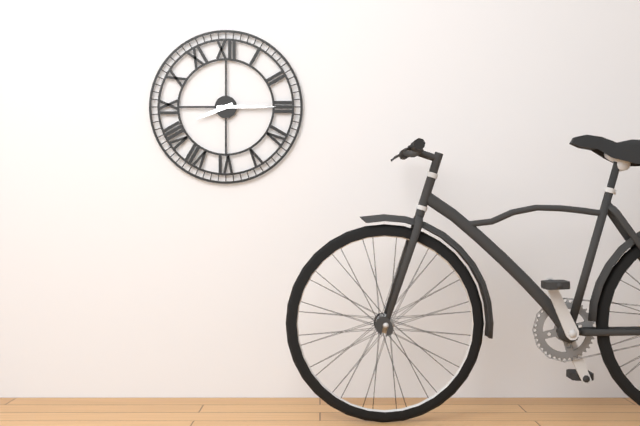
{"hour": 8, "minute": 15}
